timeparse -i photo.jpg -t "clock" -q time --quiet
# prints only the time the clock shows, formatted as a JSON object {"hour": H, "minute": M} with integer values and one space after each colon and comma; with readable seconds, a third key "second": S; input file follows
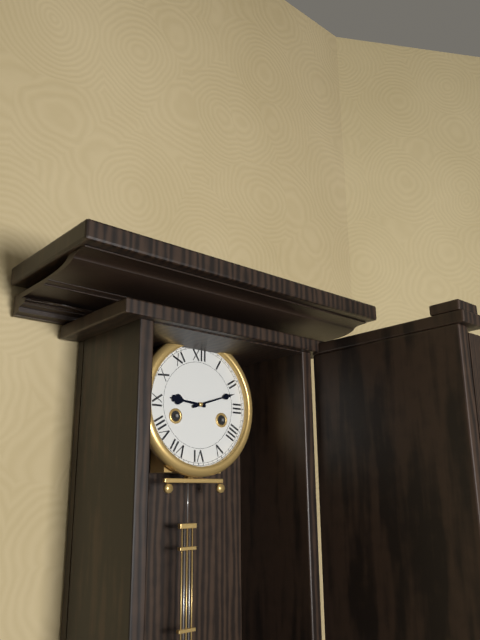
{"hour": 9, "minute": 12}
